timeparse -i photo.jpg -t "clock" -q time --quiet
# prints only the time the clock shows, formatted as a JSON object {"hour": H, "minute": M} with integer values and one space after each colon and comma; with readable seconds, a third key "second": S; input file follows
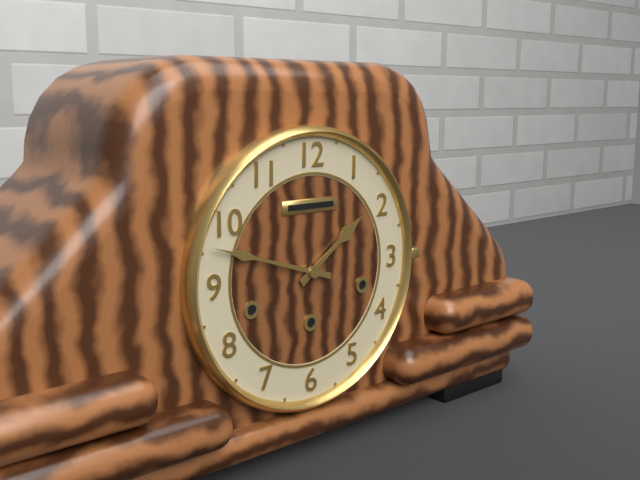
{"hour": 1, "minute": 48}
